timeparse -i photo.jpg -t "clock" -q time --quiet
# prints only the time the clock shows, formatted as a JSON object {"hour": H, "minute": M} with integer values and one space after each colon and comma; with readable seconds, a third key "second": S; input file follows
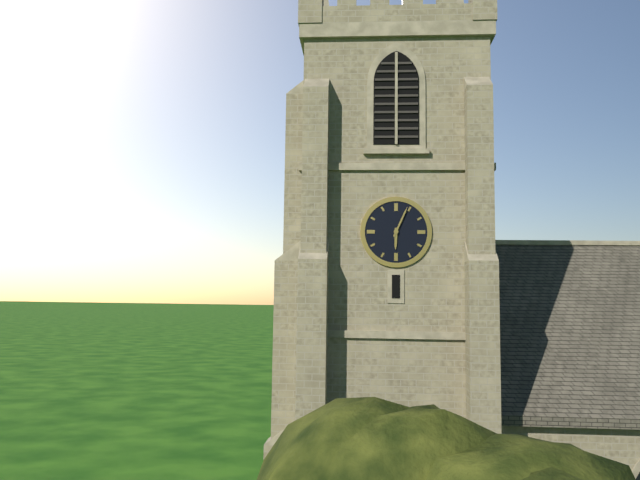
{"hour": 6, "minute": 4}
